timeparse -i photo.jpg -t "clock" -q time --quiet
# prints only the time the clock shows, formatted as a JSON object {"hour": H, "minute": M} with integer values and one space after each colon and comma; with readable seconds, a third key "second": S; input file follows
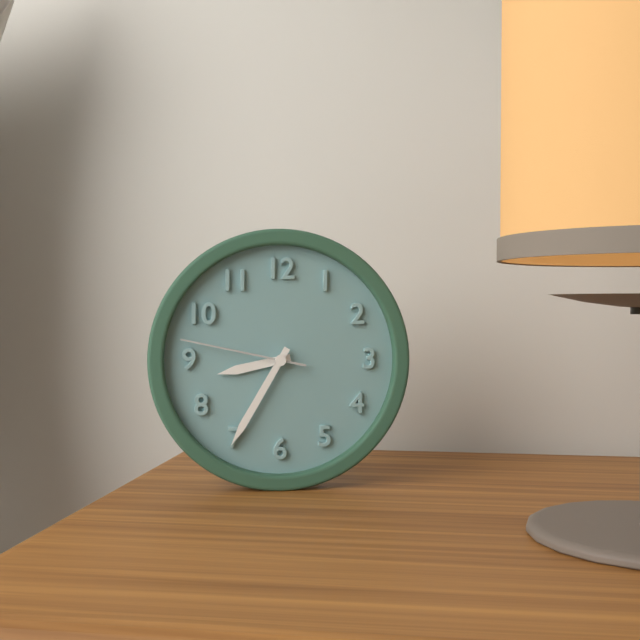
{"hour": 8, "minute": 35, "second": 47}
